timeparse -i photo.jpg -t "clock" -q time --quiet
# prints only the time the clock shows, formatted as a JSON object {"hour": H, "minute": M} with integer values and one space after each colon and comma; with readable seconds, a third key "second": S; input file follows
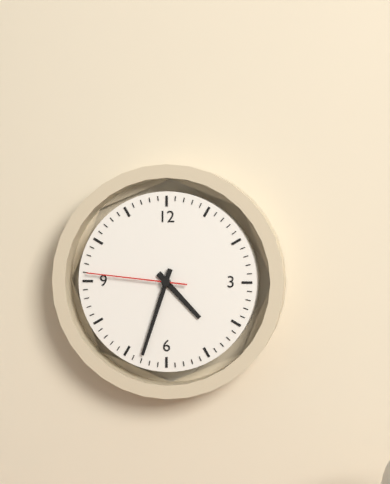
{"hour": 4, "minute": 33, "second": 46}
